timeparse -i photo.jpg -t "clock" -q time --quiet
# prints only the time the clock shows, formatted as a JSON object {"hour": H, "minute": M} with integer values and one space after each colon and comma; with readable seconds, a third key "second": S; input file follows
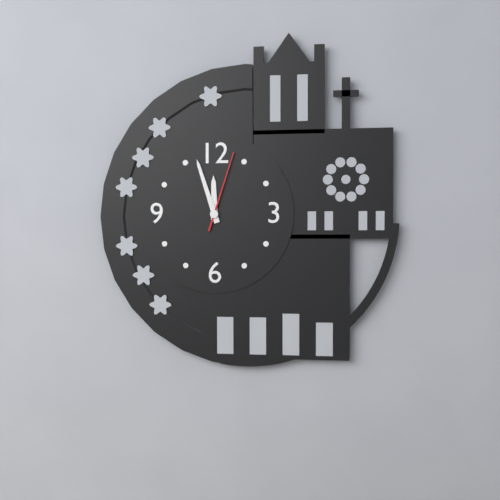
{"hour": 11, "minute": 57, "second": 3}
